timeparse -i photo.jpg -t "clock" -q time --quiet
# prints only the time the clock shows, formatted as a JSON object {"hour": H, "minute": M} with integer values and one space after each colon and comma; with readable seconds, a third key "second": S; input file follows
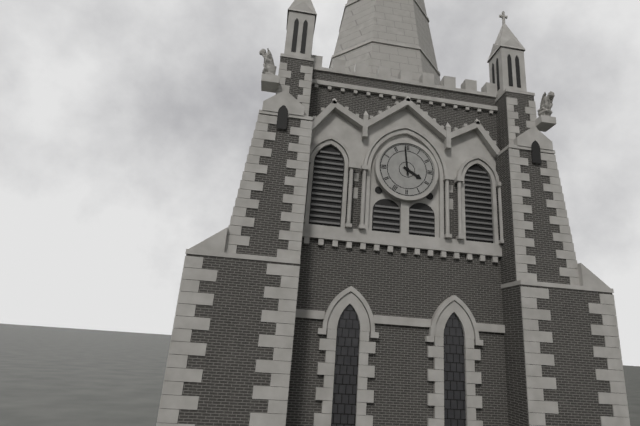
{"hour": 3, "minute": 59}
